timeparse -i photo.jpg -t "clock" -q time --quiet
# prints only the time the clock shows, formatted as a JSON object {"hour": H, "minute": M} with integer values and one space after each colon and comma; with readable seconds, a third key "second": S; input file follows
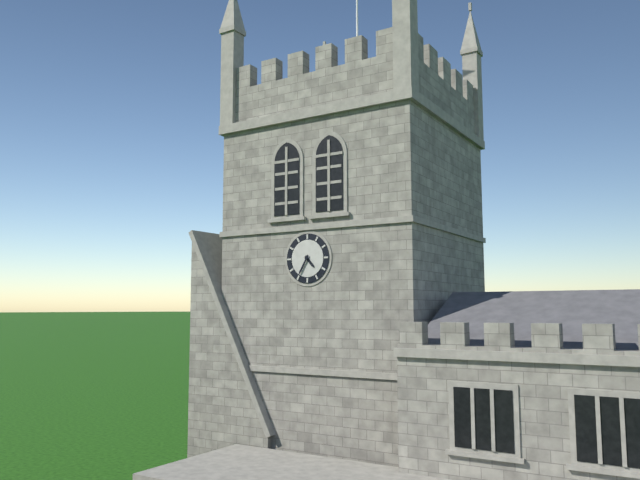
{"hour": 4, "minute": 35}
